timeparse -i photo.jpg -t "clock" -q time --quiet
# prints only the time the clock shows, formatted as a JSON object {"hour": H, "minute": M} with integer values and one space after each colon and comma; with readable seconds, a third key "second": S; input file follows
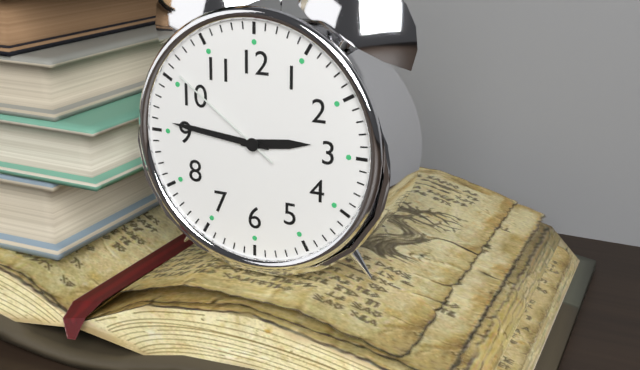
{"hour": 2, "minute": 46, "second": 51}
